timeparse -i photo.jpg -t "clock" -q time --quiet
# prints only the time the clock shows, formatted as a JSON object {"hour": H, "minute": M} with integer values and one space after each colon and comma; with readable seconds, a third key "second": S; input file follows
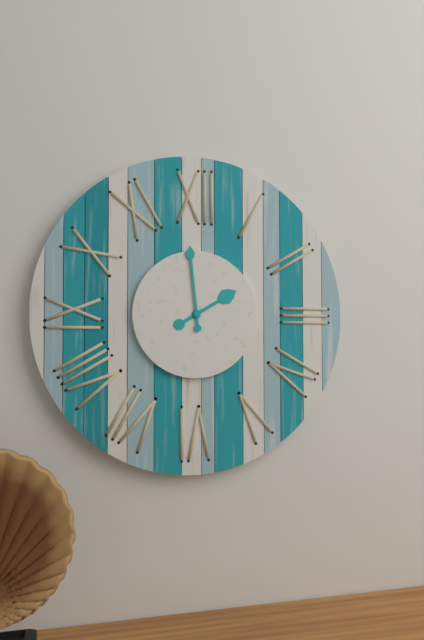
{"hour": 1, "minute": 59}
